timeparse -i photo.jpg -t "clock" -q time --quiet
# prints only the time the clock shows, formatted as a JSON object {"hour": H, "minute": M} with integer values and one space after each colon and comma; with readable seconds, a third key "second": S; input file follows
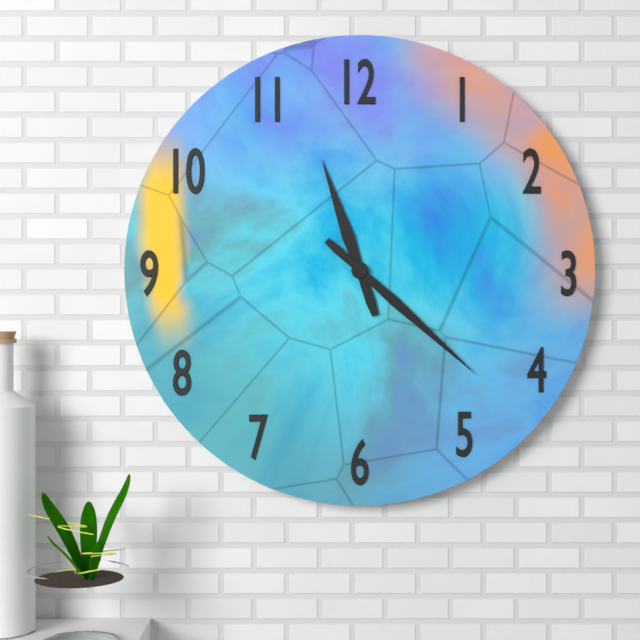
{"hour": 11, "minute": 22}
